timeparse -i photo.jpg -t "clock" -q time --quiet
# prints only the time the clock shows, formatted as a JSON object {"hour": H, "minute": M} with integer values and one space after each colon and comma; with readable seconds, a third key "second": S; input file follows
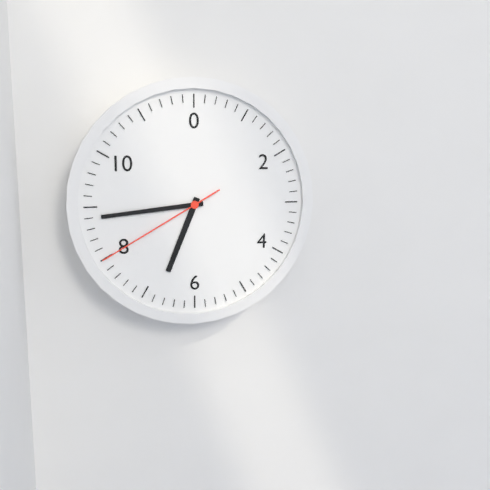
{"hour": 6, "minute": 44, "second": 40}
